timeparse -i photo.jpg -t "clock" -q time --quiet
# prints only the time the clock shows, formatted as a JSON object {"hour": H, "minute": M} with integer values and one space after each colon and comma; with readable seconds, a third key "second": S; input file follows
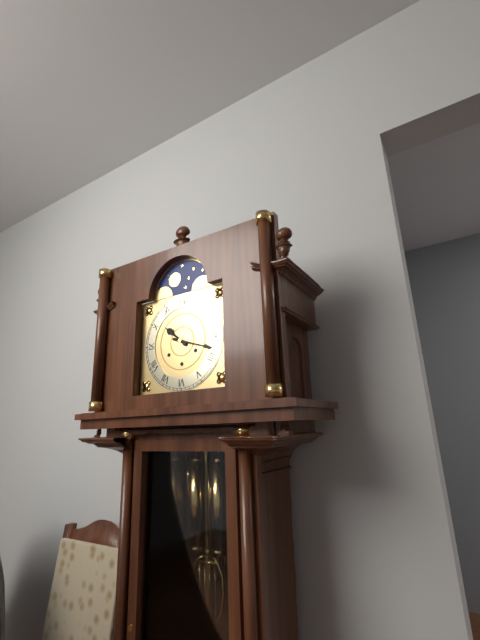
{"hour": 10, "minute": 18}
